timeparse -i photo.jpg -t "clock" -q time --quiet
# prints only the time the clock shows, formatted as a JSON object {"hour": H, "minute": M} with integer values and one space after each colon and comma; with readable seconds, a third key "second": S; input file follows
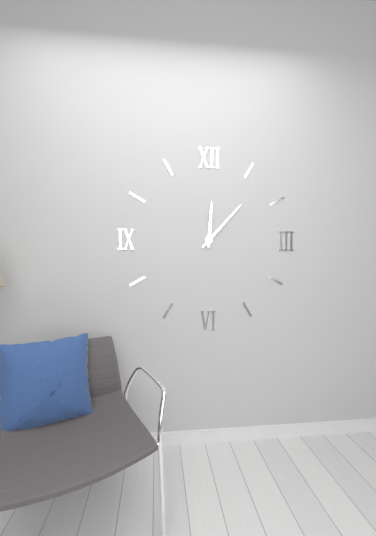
{"hour": 12, "minute": 7}
